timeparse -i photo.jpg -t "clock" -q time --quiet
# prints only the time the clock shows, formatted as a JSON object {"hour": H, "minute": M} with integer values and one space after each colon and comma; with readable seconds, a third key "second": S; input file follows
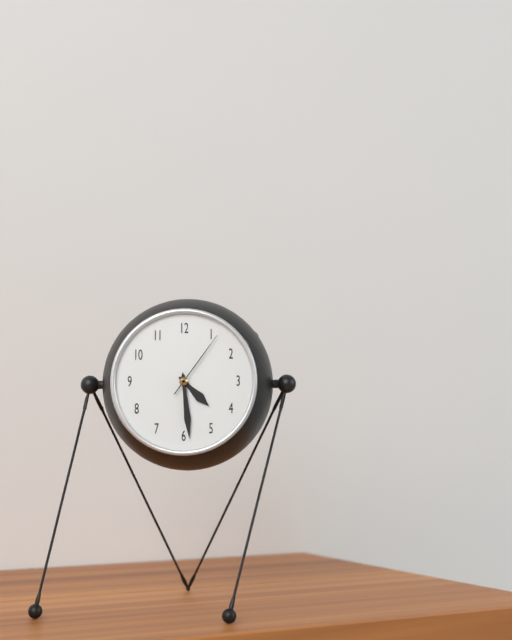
{"hour": 4, "minute": 29, "second": 6}
